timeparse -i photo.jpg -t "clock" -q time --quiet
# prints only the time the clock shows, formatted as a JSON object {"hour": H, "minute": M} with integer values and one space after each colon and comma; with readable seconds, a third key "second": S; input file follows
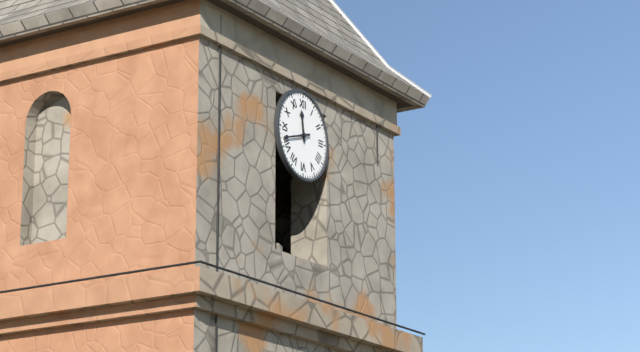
{"hour": 11, "minute": 42}
